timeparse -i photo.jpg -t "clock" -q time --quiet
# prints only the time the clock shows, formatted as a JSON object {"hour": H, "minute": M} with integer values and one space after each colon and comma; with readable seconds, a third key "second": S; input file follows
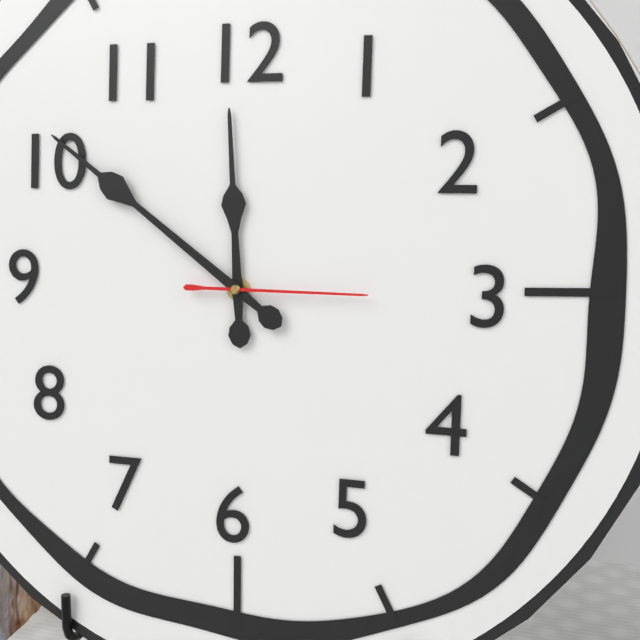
{"hour": 11, "minute": 51, "second": 15}
